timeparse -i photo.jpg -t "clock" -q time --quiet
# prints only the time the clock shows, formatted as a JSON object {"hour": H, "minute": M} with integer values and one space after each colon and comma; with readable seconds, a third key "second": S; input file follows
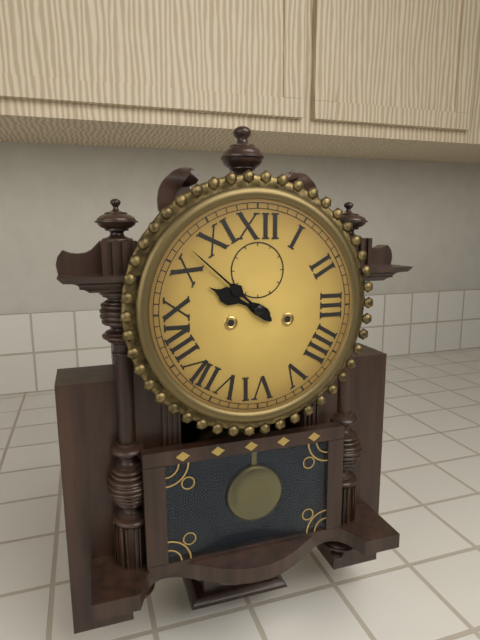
{"hour": 9, "minute": 52}
